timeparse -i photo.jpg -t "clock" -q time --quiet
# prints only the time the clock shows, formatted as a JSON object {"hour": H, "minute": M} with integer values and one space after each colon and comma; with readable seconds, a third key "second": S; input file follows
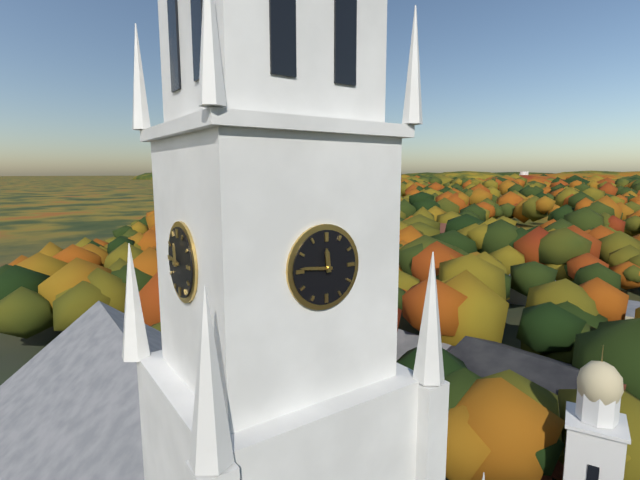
{"hour": 11, "minute": 46}
